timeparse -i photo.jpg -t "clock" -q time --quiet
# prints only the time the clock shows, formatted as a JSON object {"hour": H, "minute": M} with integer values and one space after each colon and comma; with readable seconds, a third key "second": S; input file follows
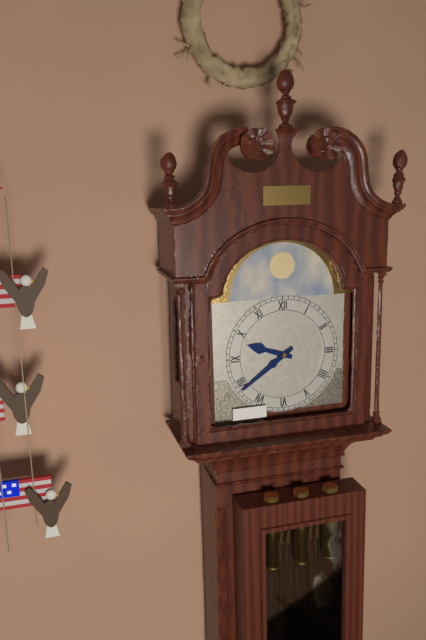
{"hour": 9, "minute": 39}
